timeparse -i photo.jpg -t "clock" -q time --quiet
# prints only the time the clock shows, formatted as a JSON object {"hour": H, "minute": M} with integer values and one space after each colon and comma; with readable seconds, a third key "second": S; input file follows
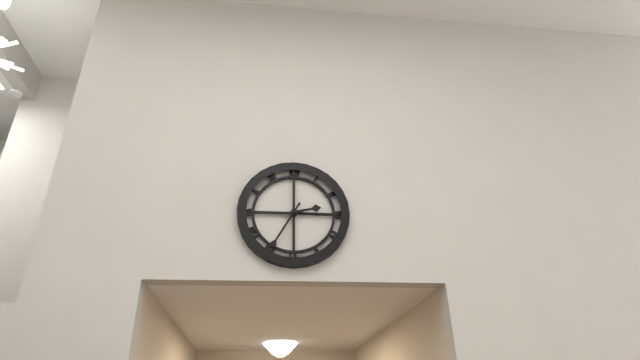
{"hour": 2, "minute": 35}
